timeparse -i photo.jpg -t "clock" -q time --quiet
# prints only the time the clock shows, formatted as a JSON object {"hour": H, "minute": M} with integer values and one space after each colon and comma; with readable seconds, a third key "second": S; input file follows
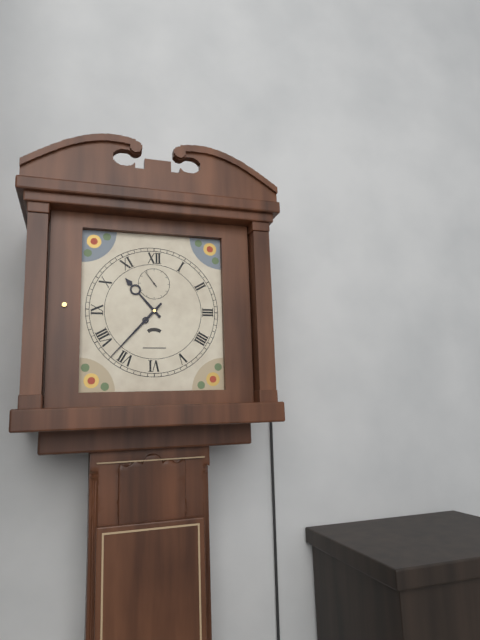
{"hour": 10, "minute": 37}
